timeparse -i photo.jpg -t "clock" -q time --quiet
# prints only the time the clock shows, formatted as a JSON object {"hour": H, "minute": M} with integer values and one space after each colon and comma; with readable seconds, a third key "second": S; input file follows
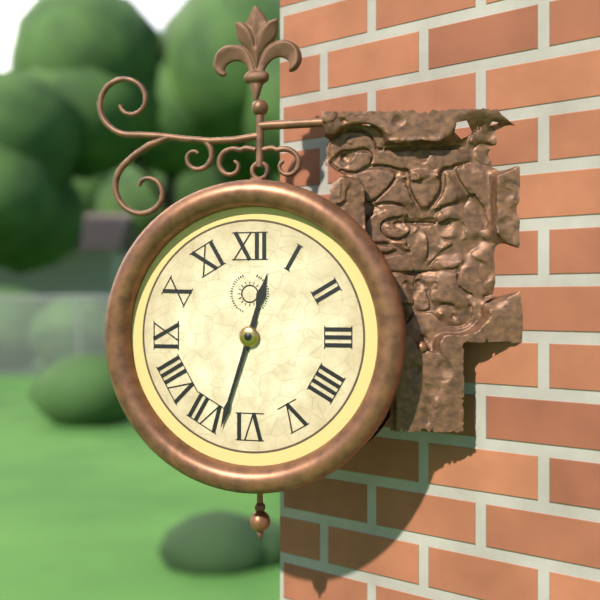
{"hour": 12, "minute": 33}
